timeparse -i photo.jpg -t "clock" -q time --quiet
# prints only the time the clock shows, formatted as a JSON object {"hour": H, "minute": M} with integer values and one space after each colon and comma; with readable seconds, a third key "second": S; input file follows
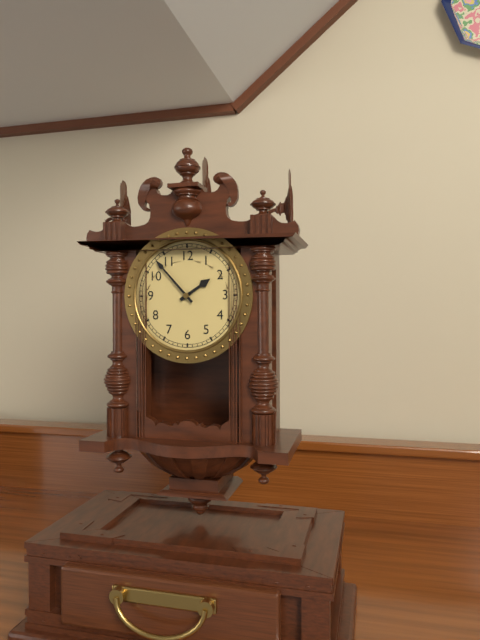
{"hour": 1, "minute": 53}
